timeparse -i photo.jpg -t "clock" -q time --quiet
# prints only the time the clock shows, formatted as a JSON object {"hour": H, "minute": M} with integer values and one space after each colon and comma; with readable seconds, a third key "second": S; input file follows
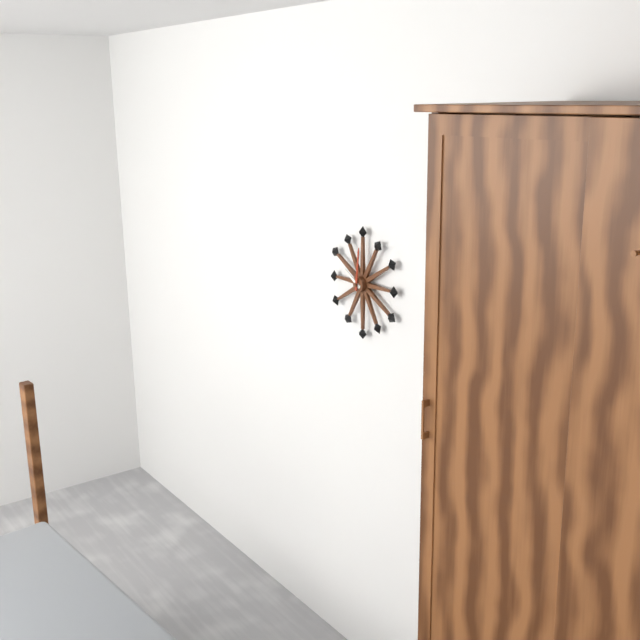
{"hour": 10, "minute": 1}
